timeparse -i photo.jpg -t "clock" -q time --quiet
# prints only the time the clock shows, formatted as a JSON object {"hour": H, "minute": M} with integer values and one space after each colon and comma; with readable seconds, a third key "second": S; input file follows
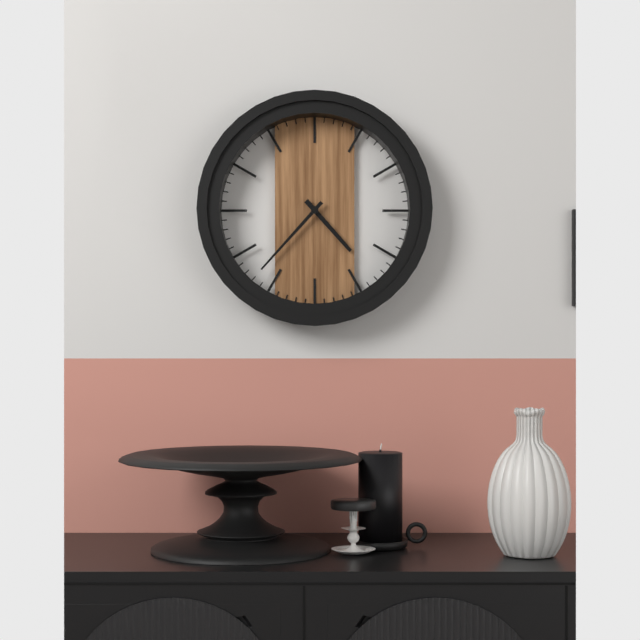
{"hour": 4, "minute": 37}
